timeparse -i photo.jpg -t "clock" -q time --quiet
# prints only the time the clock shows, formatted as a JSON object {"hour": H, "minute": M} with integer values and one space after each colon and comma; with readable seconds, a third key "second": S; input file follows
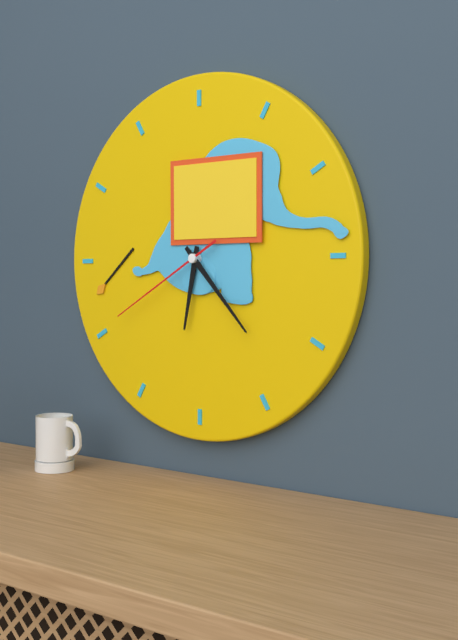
{"hour": 6, "minute": 23, "second": 40}
